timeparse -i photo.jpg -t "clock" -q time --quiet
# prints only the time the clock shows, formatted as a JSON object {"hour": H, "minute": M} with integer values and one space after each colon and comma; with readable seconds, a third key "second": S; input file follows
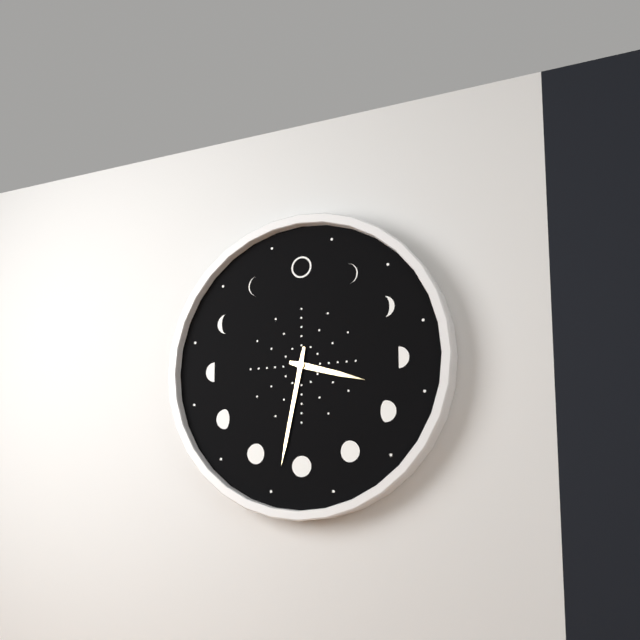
{"hour": 3, "minute": 32}
